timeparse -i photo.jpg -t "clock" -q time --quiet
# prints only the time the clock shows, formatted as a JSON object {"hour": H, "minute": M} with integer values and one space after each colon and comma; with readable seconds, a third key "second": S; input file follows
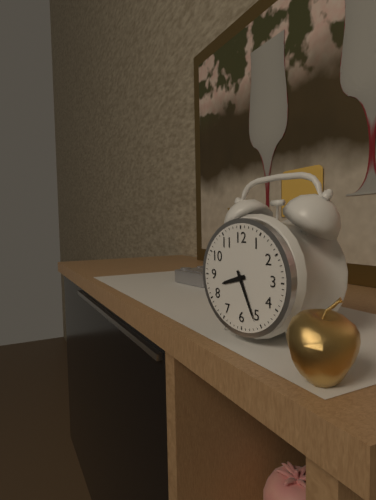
{"hour": 8, "minute": 26}
